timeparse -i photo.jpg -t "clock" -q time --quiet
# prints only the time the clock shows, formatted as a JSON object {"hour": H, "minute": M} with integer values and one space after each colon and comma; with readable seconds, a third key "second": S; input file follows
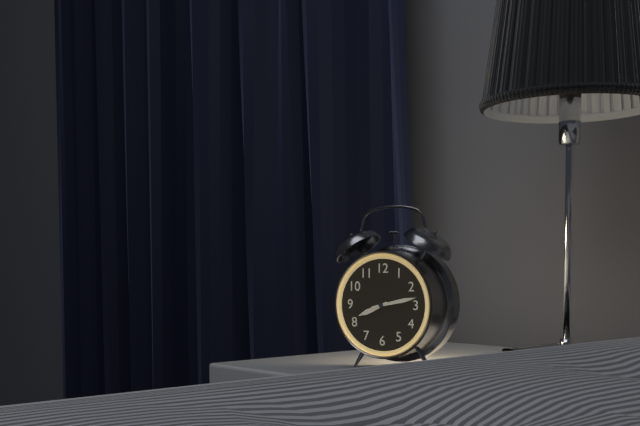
{"hour": 8, "minute": 13}
